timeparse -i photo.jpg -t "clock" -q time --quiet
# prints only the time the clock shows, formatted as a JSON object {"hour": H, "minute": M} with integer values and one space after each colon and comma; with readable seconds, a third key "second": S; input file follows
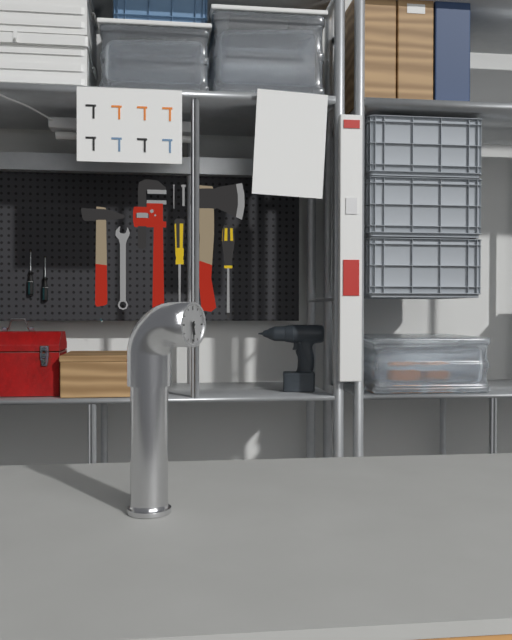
{"hour": 5, "minute": 30}
